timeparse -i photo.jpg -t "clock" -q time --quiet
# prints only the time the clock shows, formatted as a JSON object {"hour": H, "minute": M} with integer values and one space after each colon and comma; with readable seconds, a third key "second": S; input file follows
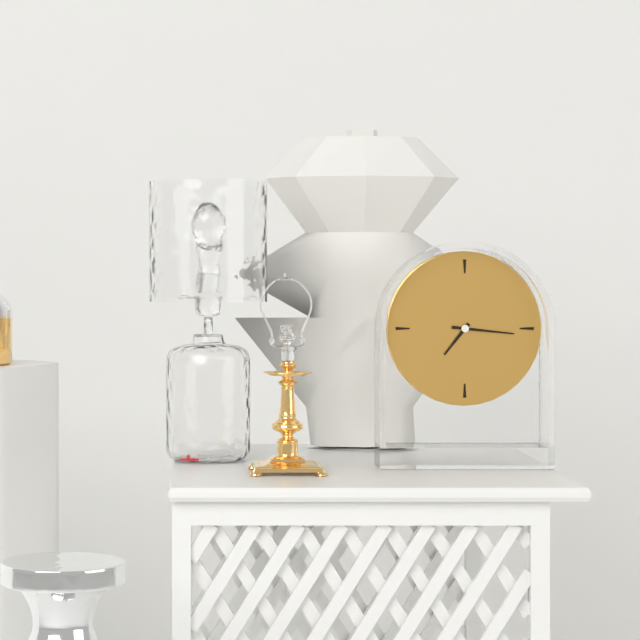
{"hour": 7, "minute": 16}
